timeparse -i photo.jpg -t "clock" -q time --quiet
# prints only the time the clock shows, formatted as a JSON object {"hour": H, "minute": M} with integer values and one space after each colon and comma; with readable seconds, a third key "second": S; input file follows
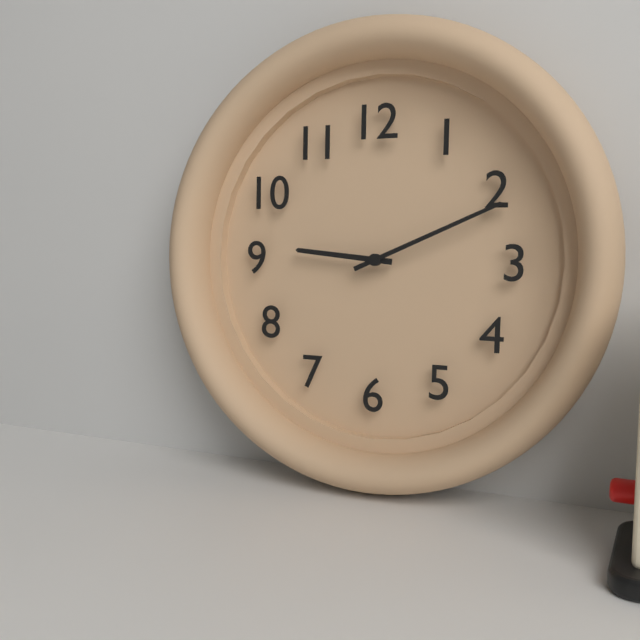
{"hour": 9, "minute": 11}
